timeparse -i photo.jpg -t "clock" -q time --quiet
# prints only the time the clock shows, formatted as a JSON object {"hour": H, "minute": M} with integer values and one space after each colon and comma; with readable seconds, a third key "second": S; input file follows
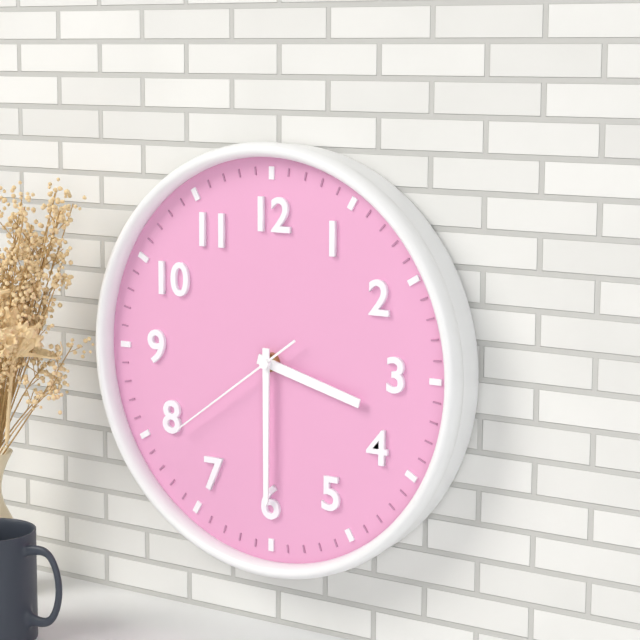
{"hour": 3, "minute": 30, "second": 39}
